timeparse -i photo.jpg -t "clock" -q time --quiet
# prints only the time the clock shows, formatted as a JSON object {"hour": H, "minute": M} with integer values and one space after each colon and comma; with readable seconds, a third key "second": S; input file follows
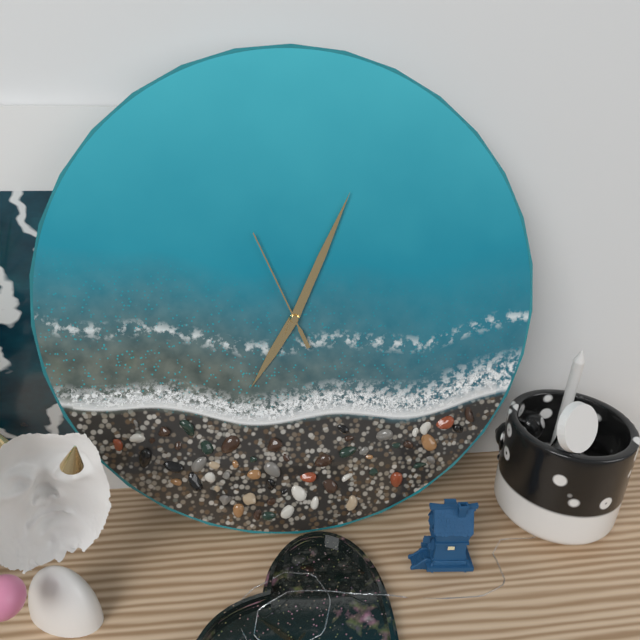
{"hour": 7, "minute": 4, "second": 56}
